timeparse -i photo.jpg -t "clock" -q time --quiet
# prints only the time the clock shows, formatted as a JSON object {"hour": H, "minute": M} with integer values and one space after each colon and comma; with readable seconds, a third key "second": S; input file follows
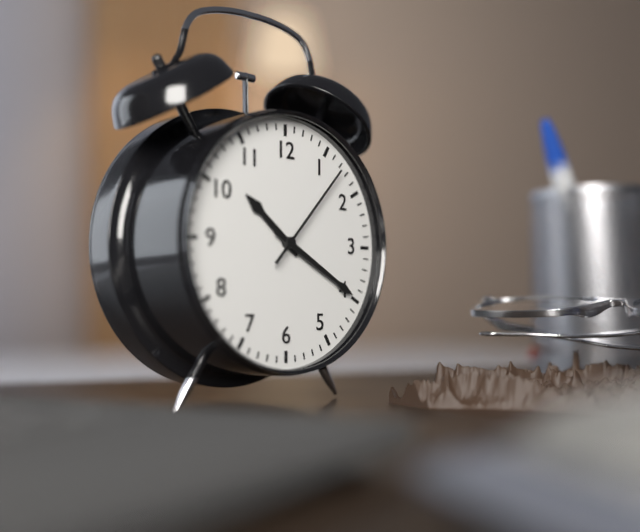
{"hour": 10, "minute": 20, "second": 7}
